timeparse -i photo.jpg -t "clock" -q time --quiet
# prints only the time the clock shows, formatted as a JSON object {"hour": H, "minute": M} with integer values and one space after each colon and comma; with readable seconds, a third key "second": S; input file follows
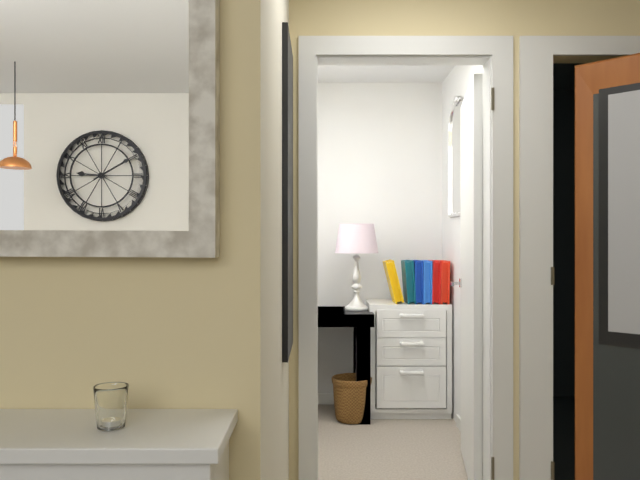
{"hour": 9, "minute": 10}
